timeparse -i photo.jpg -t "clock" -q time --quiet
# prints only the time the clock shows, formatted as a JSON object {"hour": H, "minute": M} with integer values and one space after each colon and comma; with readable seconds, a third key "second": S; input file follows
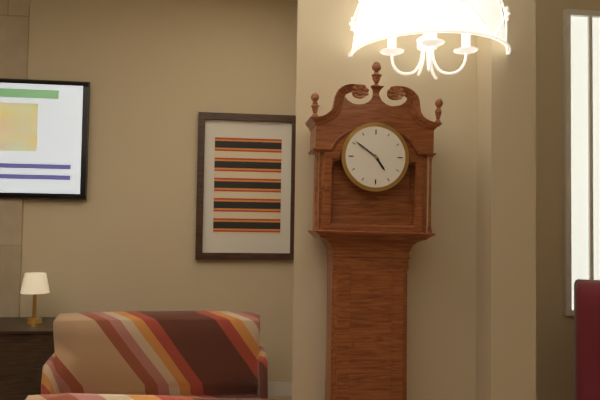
{"hour": 4, "minute": 51}
